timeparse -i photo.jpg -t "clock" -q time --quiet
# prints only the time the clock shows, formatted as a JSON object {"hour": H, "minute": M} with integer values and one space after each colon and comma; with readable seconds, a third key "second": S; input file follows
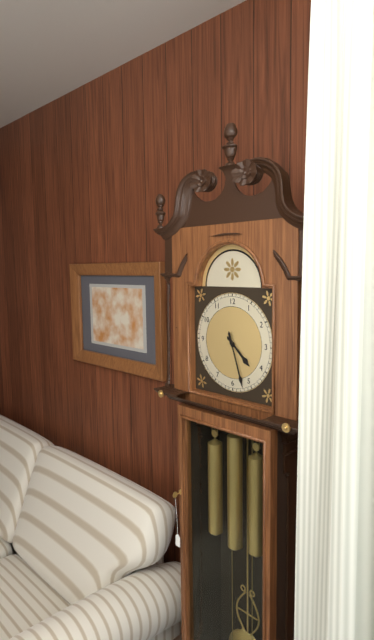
{"hour": 4, "minute": 27}
